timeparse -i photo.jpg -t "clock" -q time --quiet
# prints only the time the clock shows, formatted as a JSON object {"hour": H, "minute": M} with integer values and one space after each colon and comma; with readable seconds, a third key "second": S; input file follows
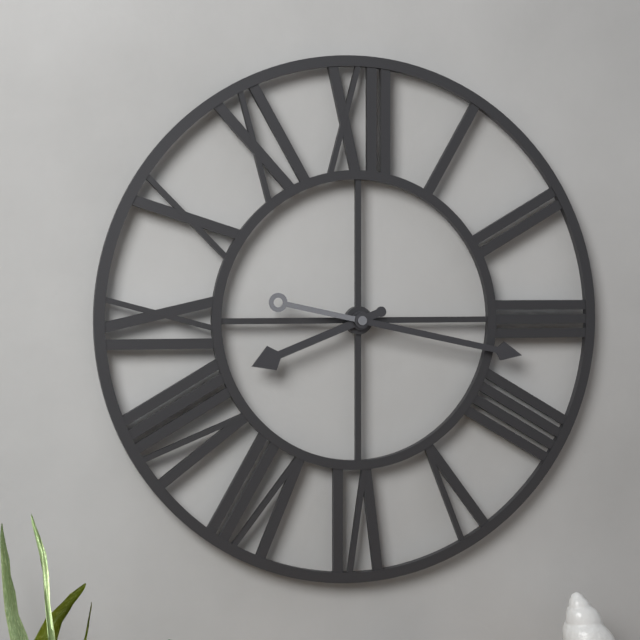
{"hour": 8, "minute": 17}
